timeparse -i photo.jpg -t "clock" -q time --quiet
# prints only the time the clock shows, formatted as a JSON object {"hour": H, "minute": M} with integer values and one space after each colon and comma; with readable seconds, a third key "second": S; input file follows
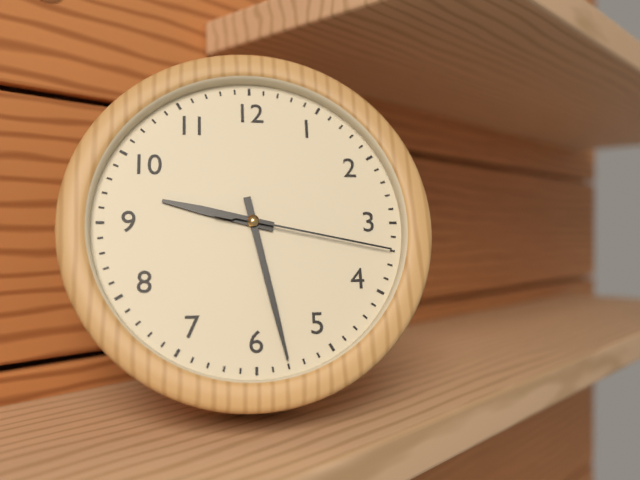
{"hour": 9, "minute": 28, "second": 17}
